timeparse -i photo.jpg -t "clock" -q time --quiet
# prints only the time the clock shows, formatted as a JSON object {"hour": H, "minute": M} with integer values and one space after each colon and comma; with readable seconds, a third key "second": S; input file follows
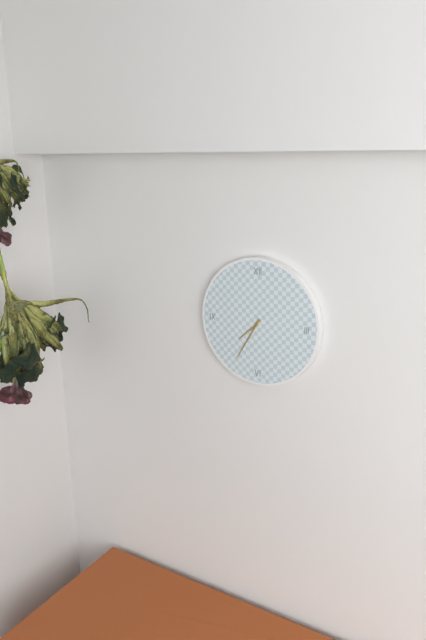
{"hour": 7, "minute": 35}
